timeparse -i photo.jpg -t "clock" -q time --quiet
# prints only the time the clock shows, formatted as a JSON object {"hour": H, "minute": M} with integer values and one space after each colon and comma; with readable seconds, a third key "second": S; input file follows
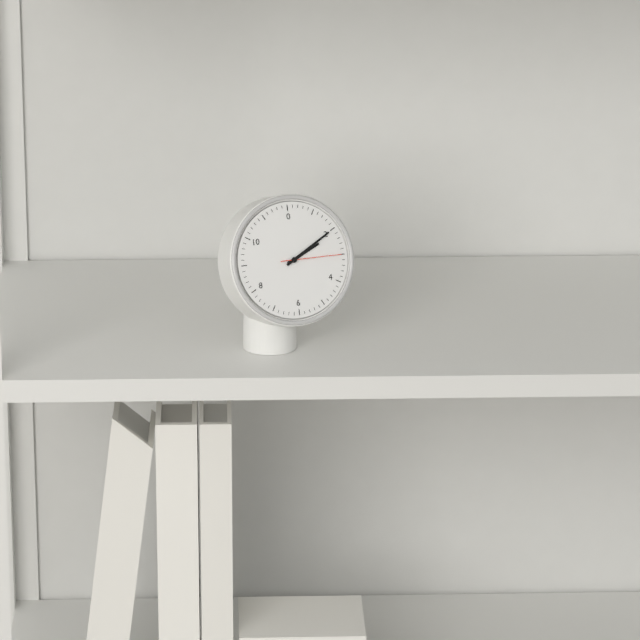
{"hour": 2, "minute": 10, "second": 15}
